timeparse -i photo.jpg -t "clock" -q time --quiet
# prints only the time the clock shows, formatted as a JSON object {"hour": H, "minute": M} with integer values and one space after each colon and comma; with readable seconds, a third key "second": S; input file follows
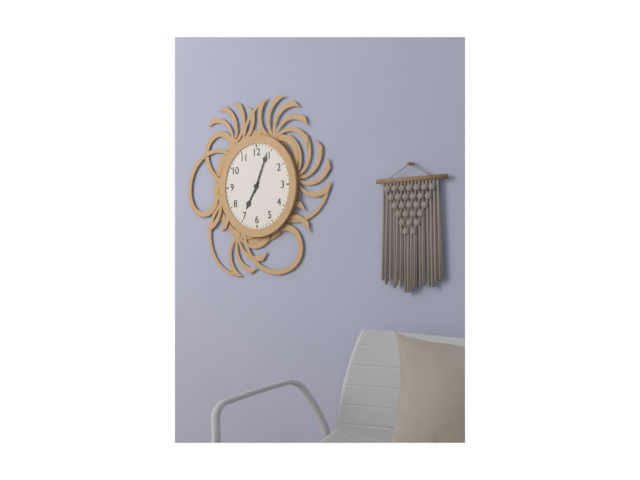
{"hour": 7, "minute": 4}
